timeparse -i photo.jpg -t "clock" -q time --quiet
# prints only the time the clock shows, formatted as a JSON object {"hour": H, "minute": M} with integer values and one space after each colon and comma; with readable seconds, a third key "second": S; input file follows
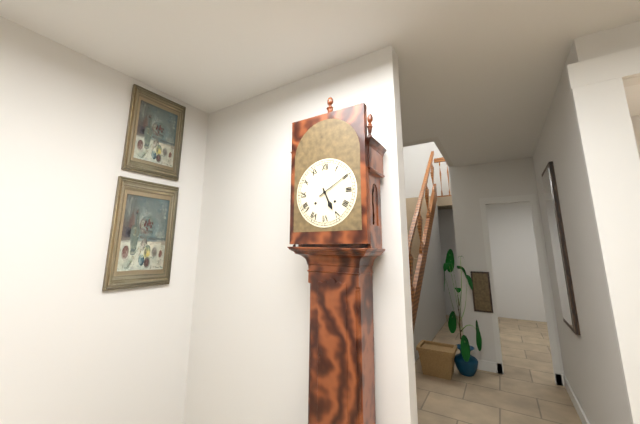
{"hour": 5, "minute": 10}
